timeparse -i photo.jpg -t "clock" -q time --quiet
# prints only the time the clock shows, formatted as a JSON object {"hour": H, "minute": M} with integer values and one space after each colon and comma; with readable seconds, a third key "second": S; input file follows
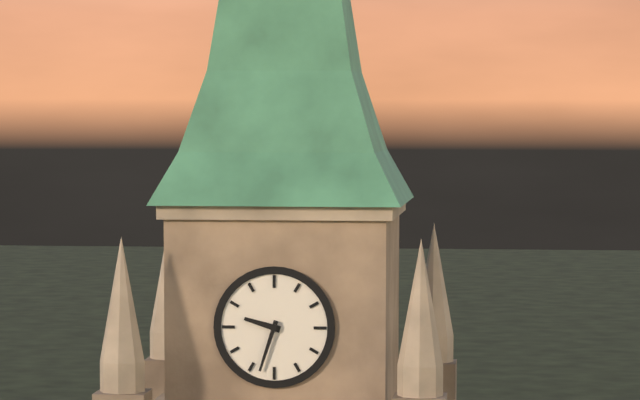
{"hour": 9, "minute": 33}
